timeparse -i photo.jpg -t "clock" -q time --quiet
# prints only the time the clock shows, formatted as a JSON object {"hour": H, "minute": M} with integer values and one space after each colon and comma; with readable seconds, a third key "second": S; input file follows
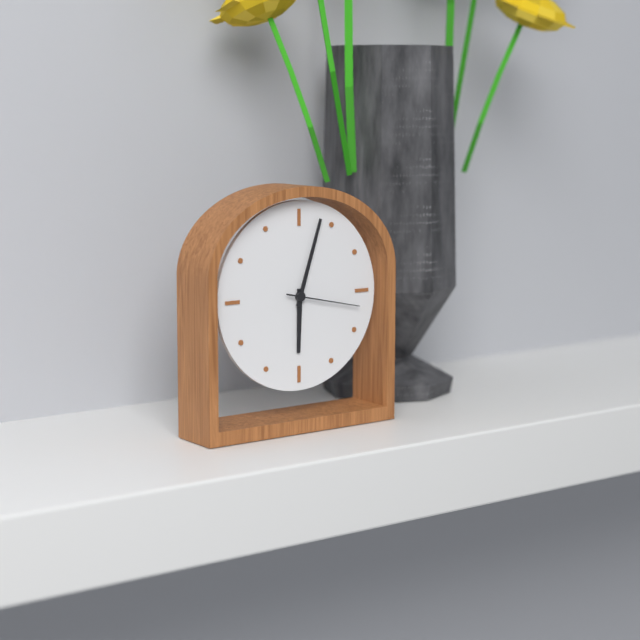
{"hour": 6, "minute": 3, "second": 17}
